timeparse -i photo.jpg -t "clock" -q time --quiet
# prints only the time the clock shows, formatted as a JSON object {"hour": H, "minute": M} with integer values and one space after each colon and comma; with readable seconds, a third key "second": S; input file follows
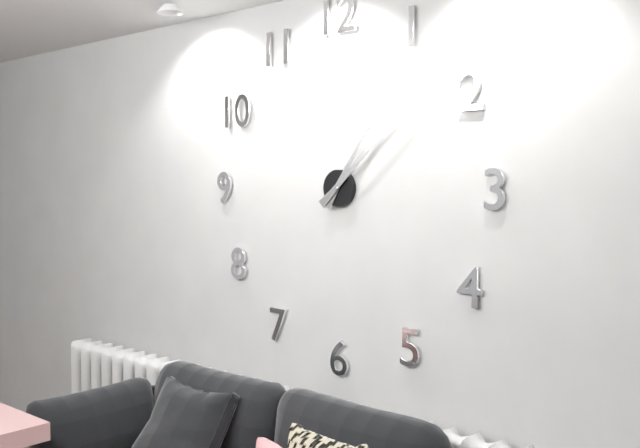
{"hour": 1, "minute": 8}
